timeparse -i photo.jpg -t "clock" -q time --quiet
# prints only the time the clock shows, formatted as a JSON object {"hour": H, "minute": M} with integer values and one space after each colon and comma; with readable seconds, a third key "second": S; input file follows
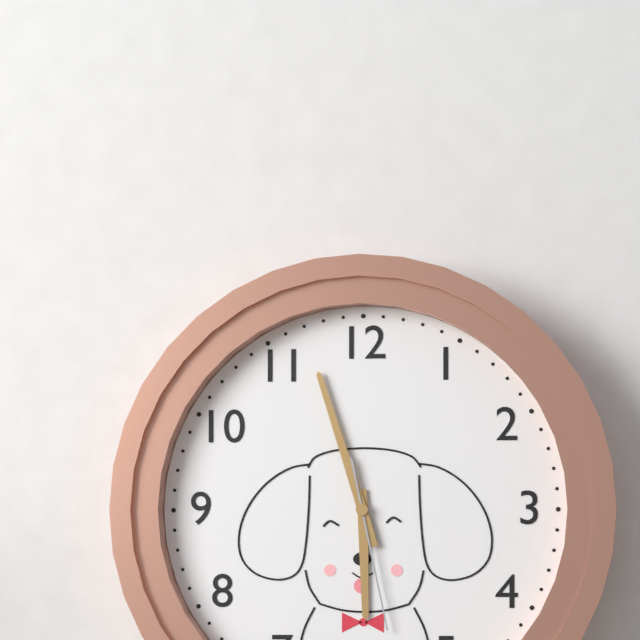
{"hour": 5, "minute": 57, "second": 28}
